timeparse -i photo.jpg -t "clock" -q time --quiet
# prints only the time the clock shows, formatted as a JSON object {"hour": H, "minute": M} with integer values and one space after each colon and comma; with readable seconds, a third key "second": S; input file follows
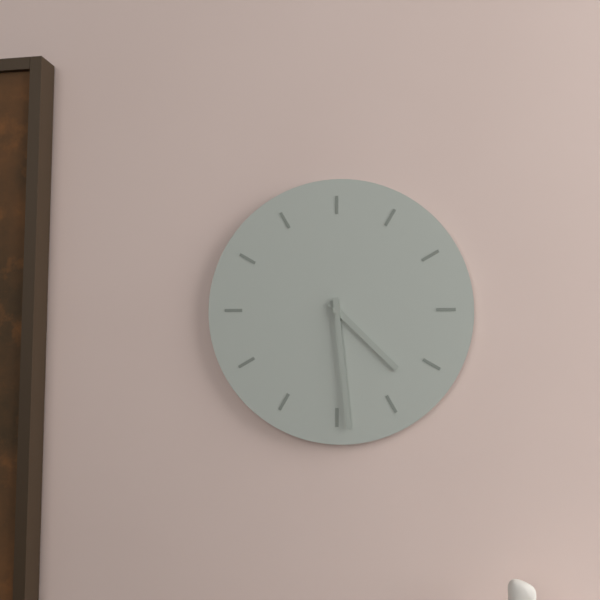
{"hour": 4, "minute": 29}
